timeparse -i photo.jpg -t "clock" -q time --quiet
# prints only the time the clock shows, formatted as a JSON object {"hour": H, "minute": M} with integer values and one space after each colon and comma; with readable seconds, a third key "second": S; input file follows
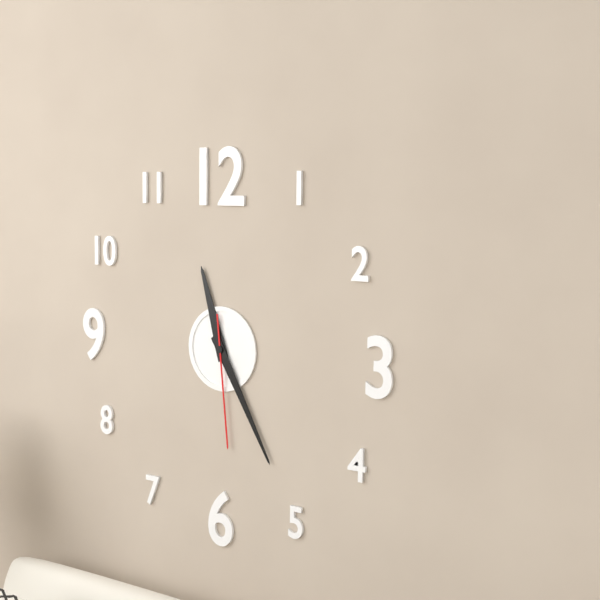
{"hour": 11, "minute": 25, "second": 29}
